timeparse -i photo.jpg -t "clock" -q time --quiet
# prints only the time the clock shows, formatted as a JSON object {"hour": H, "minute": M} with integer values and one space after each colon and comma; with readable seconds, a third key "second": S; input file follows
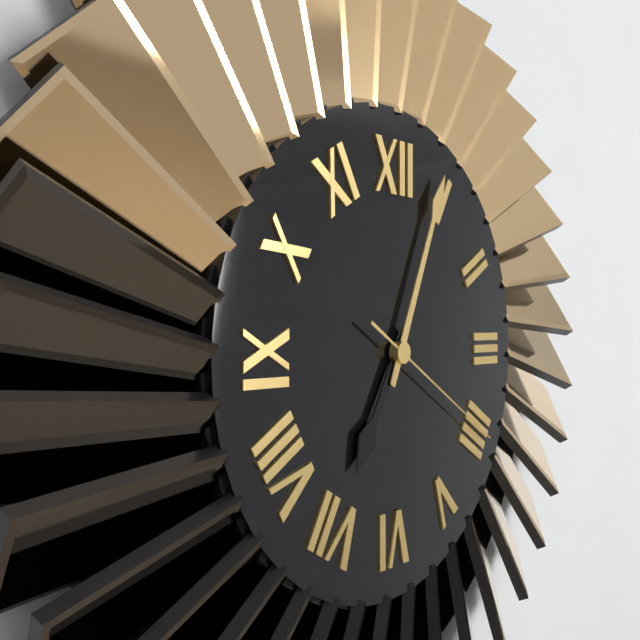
{"hour": 7, "minute": 4, "second": 20}
